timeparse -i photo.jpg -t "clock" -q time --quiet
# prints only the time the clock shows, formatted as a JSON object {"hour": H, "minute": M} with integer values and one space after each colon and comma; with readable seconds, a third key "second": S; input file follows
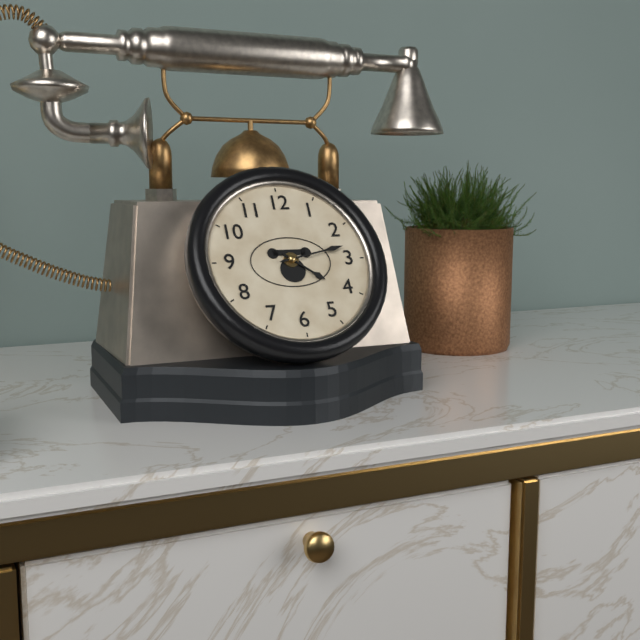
{"hour": 4, "minute": 13}
